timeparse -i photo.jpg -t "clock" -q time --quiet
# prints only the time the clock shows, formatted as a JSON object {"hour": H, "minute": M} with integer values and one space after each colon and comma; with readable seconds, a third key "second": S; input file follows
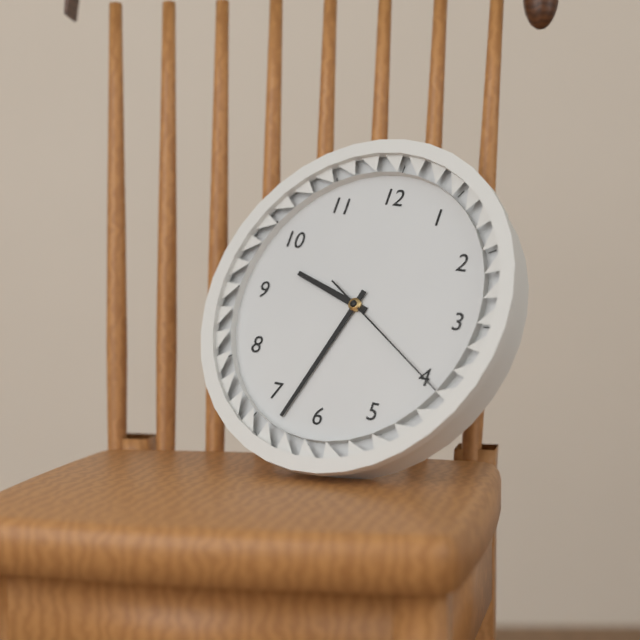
{"hour": 9, "minute": 33, "second": 20}
